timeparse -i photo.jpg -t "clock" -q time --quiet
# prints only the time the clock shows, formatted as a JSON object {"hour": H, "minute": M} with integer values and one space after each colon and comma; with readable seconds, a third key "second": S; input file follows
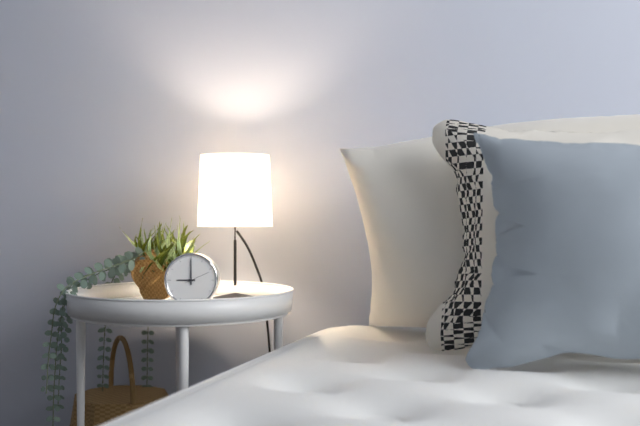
{"hour": 9, "minute": 0}
